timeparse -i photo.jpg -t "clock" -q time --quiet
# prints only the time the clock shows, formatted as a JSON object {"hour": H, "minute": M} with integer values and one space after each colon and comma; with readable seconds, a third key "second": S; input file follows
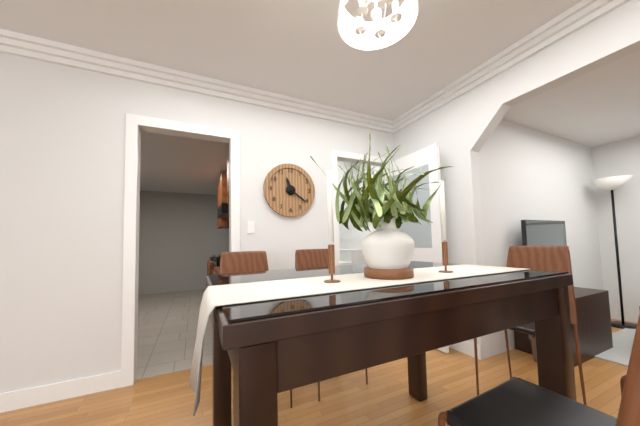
{"hour": 11, "minute": 21}
